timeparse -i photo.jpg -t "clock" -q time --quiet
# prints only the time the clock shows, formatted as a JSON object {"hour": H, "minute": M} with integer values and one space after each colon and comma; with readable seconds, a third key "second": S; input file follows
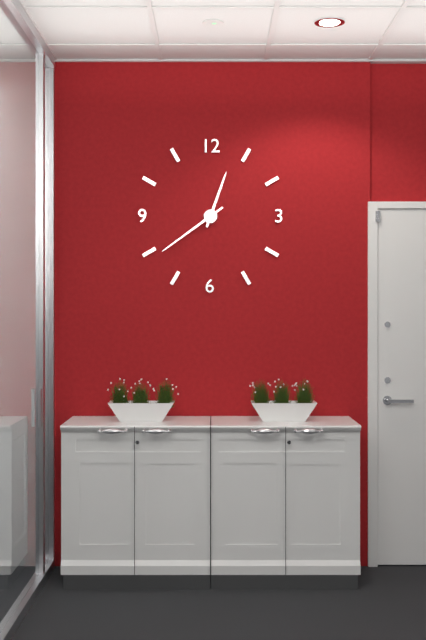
{"hour": 12, "minute": 39}
